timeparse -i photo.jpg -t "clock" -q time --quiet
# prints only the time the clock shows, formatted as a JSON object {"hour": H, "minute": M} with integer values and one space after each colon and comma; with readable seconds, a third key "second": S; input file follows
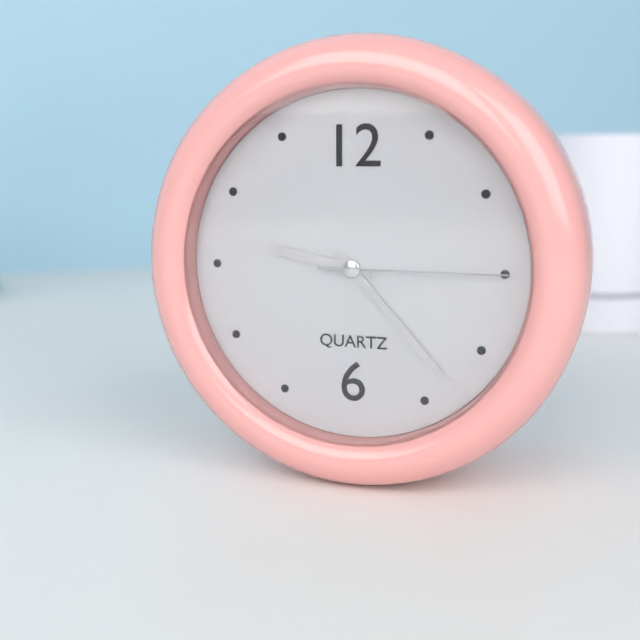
{"hour": 9, "minute": 23, "second": 15}
